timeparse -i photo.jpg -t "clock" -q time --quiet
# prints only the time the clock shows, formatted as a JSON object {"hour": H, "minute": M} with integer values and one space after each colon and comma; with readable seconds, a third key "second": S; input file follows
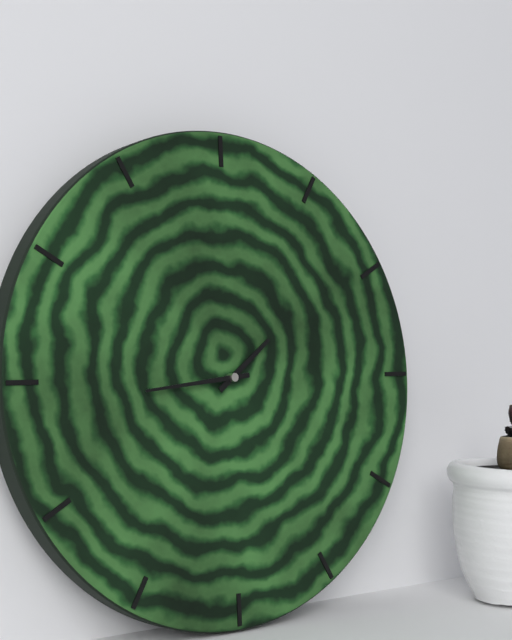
{"hour": 1, "minute": 44}
